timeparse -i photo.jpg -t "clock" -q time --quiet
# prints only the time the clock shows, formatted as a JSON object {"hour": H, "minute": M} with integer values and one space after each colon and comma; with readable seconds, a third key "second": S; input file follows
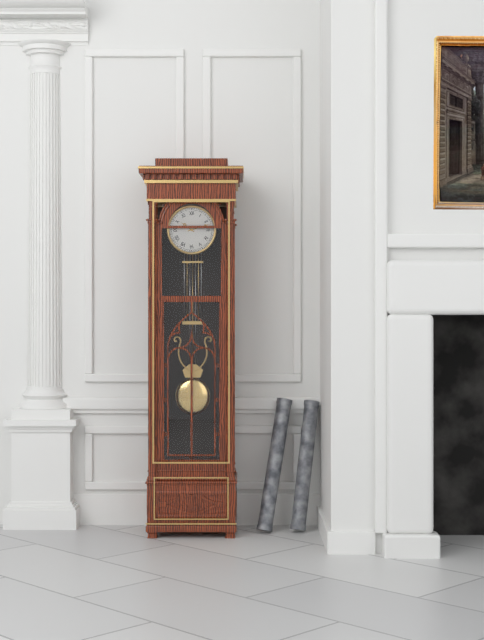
{"hour": 10, "minute": 12}
